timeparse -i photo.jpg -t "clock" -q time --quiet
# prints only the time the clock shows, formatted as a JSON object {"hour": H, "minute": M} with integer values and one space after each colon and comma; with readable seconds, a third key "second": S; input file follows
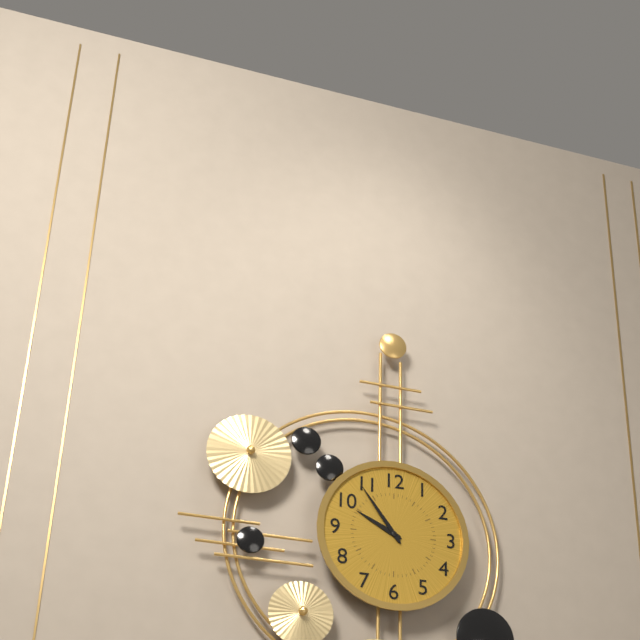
{"hour": 9, "minute": 54}
